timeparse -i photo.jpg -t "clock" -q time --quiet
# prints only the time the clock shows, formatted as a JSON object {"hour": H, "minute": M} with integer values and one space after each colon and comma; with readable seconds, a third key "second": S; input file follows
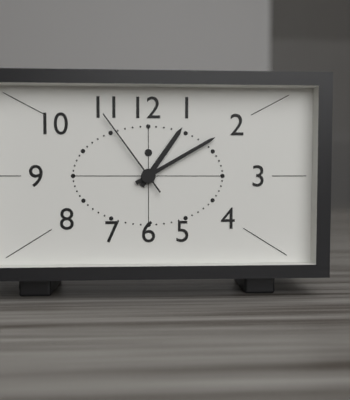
{"hour": 1, "minute": 10, "second": 54}
